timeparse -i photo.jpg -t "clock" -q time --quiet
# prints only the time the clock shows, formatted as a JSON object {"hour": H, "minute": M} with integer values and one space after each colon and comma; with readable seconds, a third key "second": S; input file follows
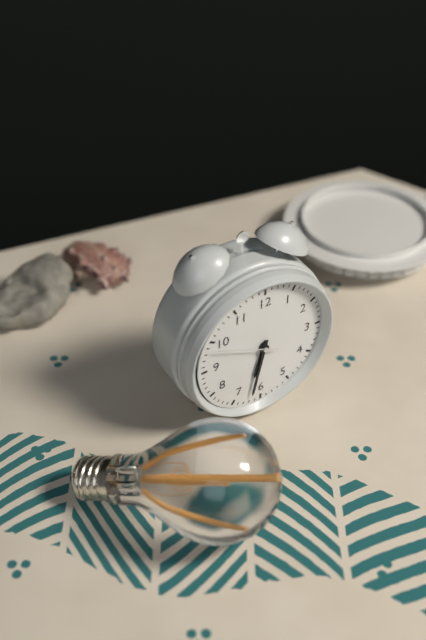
{"hour": 6, "minute": 32, "second": 49}
